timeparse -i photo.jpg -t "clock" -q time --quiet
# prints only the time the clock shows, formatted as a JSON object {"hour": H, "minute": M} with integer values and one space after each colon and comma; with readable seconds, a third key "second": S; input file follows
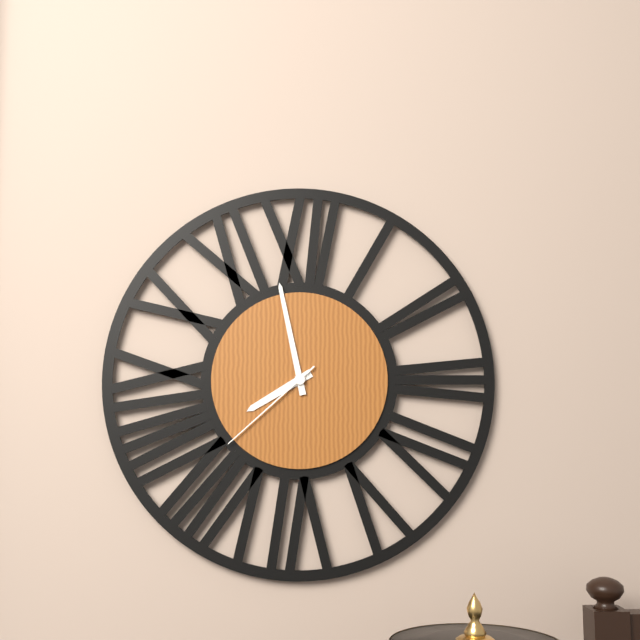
{"hour": 7, "minute": 58, "second": 38}
